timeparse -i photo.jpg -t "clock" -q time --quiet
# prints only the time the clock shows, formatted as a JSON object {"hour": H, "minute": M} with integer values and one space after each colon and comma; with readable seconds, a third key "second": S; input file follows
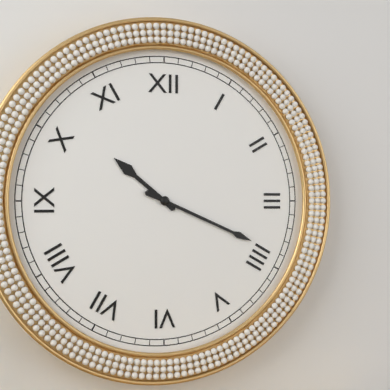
{"hour": 10, "minute": 19}
